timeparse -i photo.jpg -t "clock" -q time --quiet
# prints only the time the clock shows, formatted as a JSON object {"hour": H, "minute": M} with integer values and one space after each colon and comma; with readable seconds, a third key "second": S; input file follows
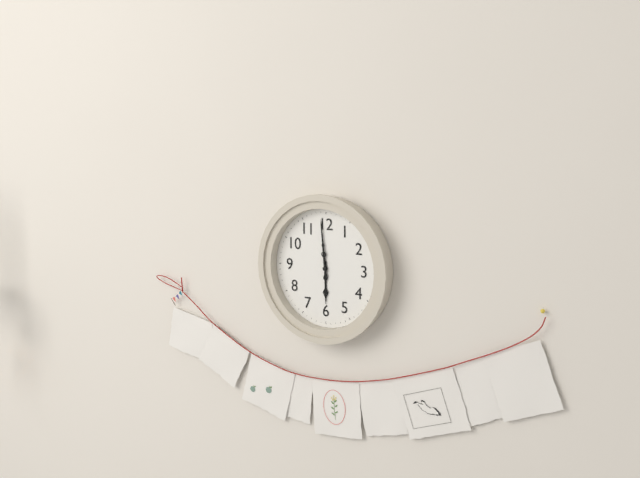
{"hour": 5, "minute": 59}
